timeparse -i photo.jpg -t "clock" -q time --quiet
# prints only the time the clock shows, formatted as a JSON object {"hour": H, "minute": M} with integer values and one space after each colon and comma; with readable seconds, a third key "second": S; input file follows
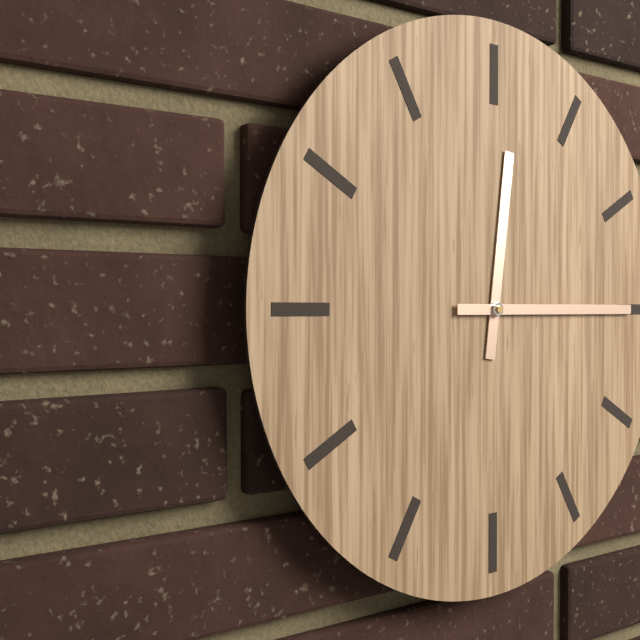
{"hour": 12, "minute": 15}
